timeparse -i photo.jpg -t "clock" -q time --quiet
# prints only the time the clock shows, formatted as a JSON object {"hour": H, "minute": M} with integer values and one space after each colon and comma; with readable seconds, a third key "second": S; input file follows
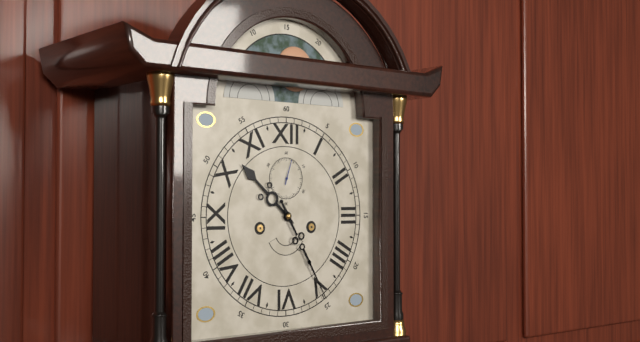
{"hour": 10, "minute": 25}
